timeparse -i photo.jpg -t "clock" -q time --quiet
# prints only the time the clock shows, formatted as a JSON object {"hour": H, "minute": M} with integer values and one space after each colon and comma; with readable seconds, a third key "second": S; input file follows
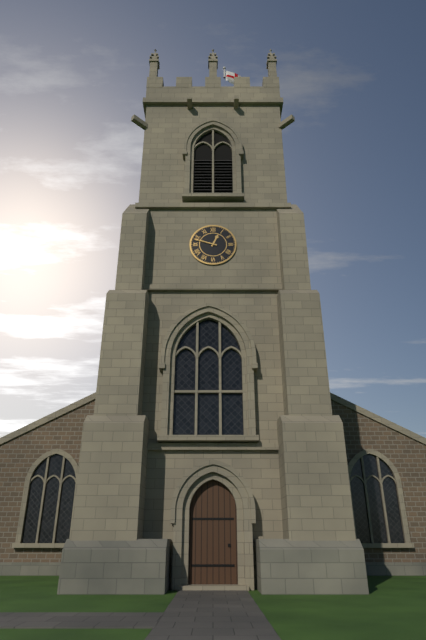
{"hour": 12, "minute": 48}
